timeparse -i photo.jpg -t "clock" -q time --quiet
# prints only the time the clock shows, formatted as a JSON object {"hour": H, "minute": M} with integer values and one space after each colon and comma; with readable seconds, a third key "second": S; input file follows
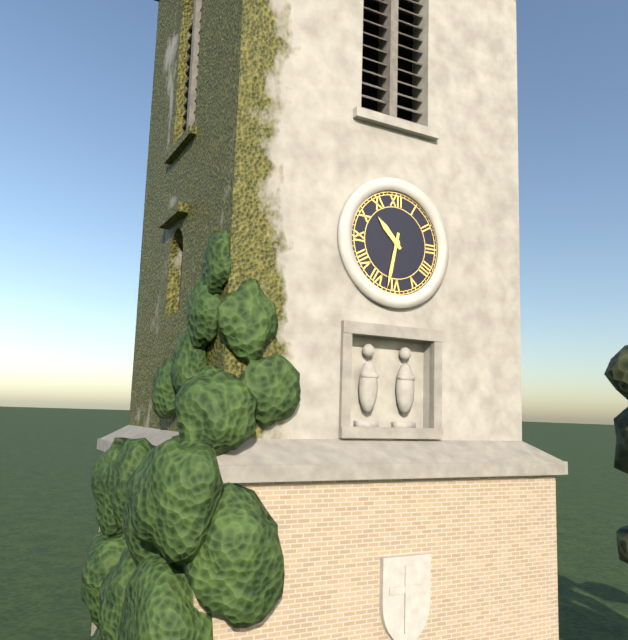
{"hour": 10, "minute": 32}
